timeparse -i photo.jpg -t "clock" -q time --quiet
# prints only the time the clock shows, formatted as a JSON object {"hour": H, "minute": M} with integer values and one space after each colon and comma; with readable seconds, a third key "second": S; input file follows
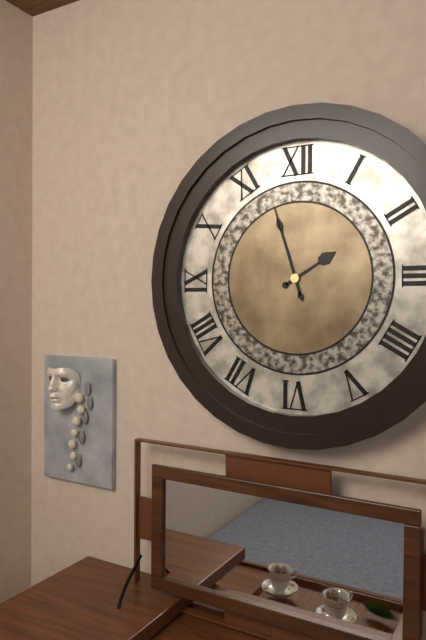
{"hour": 1, "minute": 57}
